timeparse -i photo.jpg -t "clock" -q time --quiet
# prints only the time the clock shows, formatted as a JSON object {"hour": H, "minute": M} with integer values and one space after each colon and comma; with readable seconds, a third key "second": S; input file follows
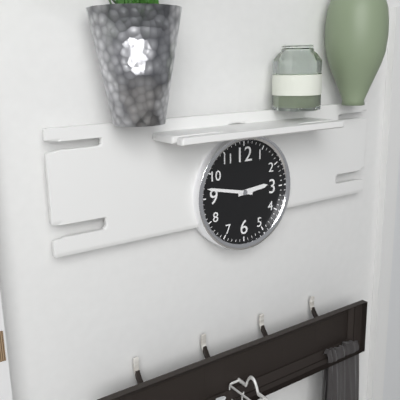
{"hour": 2, "minute": 47}
